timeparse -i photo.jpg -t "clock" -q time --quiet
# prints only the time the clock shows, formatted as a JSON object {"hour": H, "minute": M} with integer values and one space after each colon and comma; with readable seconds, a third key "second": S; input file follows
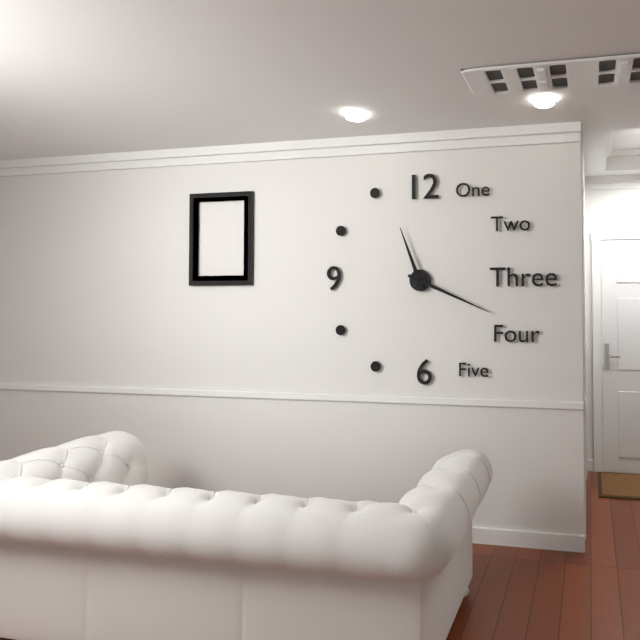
{"hour": 11, "minute": 19}
